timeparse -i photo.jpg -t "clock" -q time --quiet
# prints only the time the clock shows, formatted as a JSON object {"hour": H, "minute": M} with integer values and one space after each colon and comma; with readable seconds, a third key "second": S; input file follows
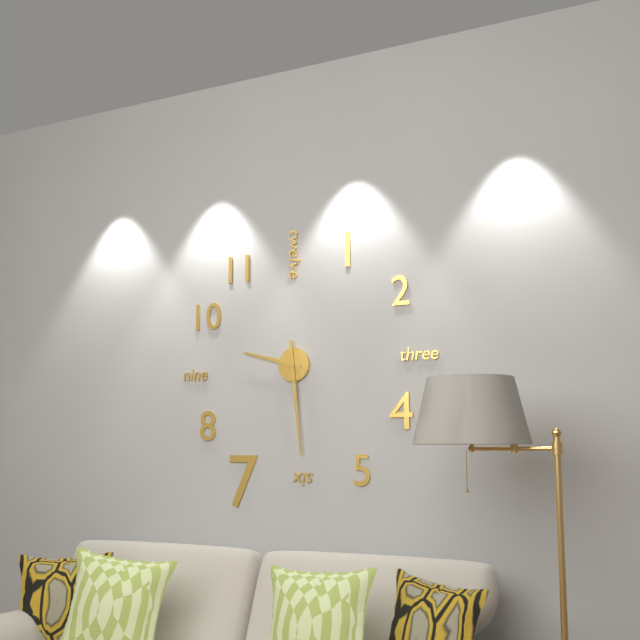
{"hour": 9, "minute": 29}
